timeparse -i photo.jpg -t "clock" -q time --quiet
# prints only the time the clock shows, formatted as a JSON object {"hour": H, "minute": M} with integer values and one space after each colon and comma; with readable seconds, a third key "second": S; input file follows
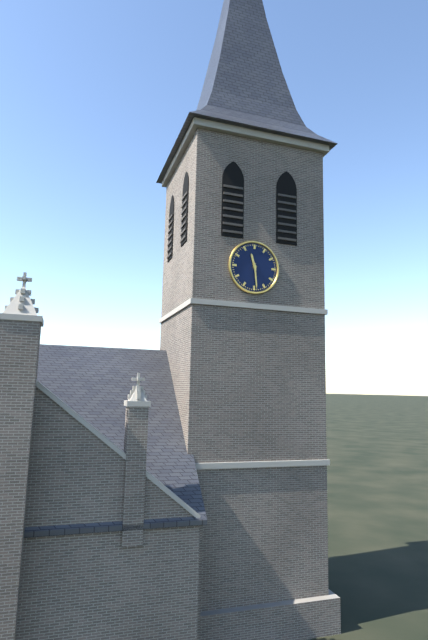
{"hour": 11, "minute": 29}
